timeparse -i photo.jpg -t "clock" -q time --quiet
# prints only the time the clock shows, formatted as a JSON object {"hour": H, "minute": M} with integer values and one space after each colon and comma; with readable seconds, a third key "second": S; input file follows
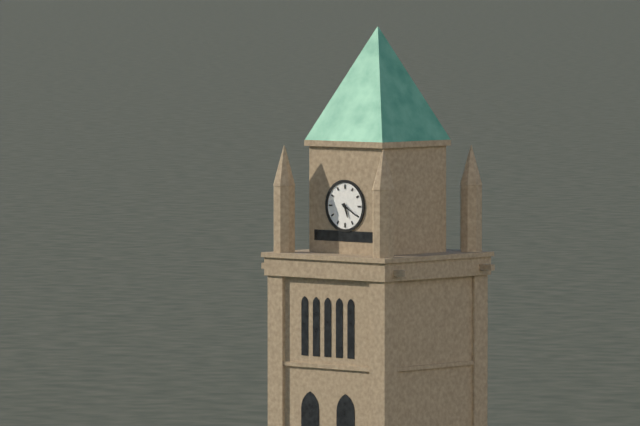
{"hour": 5, "minute": 20}
